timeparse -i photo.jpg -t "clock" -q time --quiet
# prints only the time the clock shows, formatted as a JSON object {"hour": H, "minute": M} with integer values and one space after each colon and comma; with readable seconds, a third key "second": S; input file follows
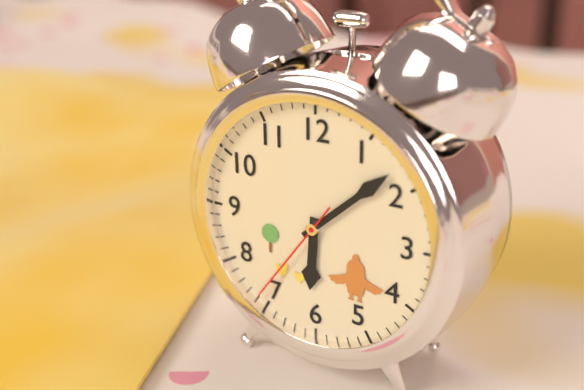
{"hour": 6, "minute": 8, "second": 36}
